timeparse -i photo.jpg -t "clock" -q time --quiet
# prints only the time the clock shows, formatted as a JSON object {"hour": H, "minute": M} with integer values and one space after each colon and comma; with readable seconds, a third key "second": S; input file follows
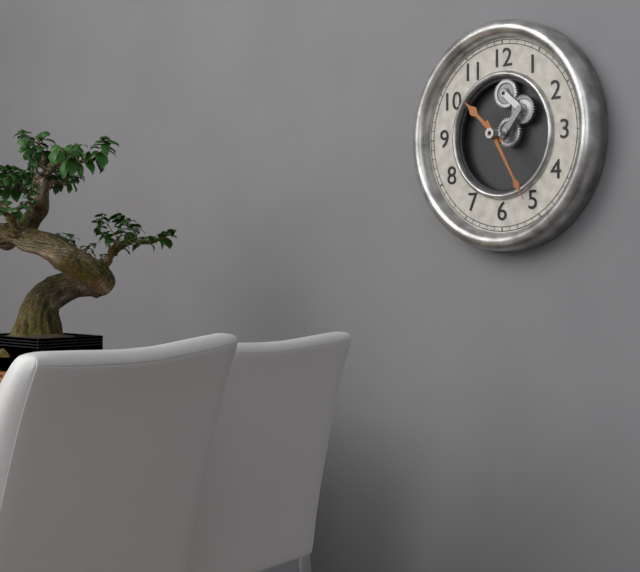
{"hour": 10, "minute": 25}
